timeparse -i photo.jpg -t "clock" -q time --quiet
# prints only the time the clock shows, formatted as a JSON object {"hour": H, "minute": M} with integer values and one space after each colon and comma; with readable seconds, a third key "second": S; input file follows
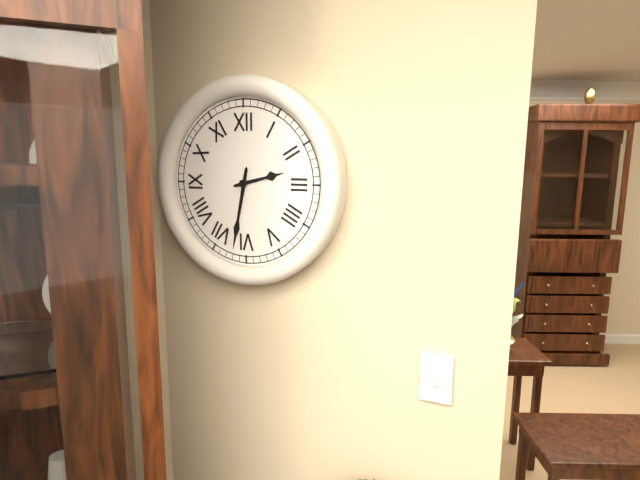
{"hour": 2, "minute": 32}
